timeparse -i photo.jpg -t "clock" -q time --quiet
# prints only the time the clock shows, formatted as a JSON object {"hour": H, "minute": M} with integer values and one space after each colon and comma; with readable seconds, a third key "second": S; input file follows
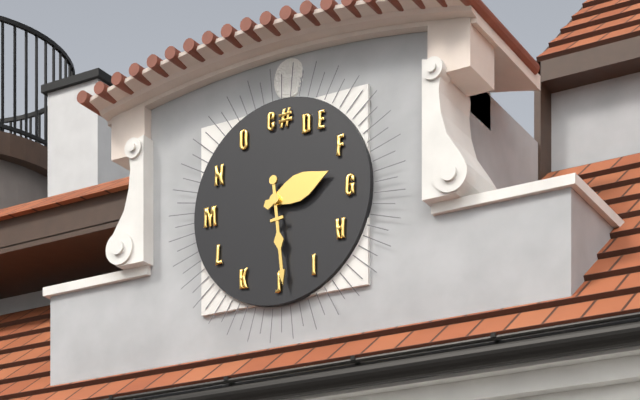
{"hour": 2, "minute": 29}
